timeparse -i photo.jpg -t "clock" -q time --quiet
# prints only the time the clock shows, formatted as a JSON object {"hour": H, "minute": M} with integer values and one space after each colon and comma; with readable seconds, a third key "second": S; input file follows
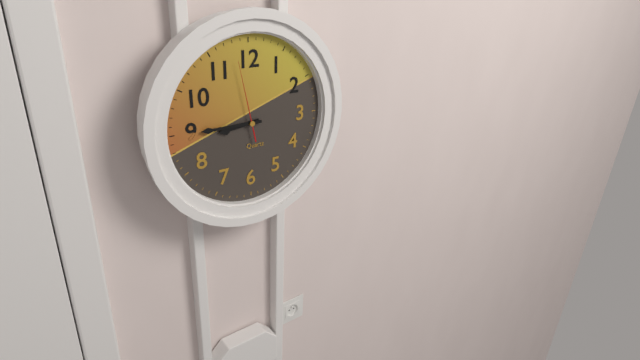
{"hour": 8, "minute": 45, "second": 58}
